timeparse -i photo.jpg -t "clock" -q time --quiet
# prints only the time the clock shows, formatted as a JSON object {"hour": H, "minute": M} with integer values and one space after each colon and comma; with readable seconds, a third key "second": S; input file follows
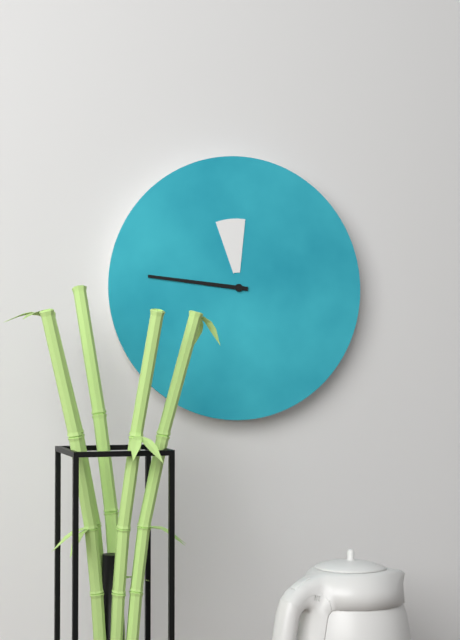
{"hour": 11, "minute": 46}
